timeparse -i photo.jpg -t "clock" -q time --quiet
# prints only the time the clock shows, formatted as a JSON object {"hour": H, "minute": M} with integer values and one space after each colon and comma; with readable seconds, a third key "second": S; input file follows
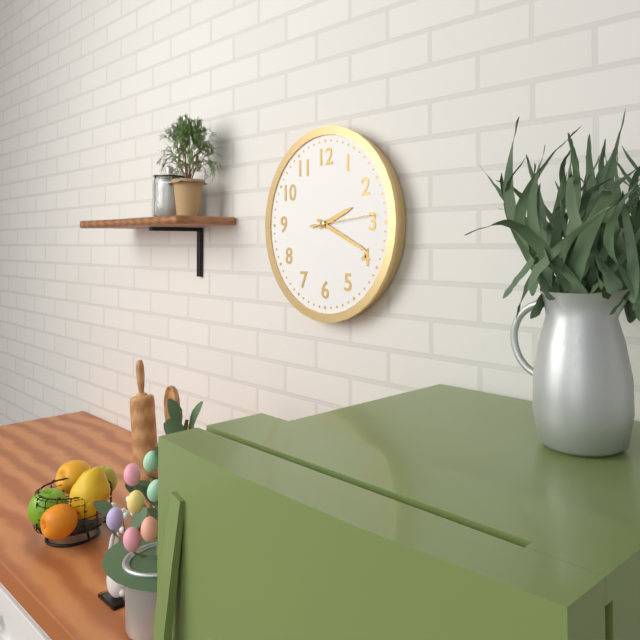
{"hour": 2, "minute": 19, "second": 14}
